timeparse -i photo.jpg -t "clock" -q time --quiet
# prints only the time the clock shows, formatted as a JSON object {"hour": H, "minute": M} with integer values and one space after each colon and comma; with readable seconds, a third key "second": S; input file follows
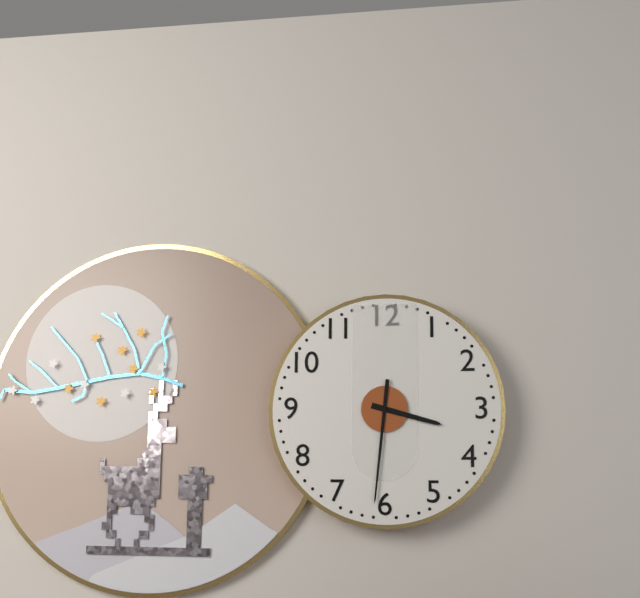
{"hour": 3, "minute": 31}
